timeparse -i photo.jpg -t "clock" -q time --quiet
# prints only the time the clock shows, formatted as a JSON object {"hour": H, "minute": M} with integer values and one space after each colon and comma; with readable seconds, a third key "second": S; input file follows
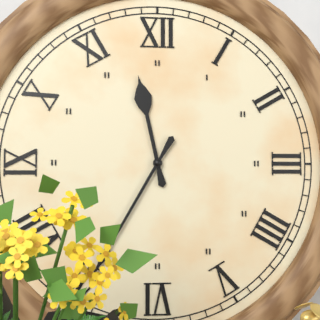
{"hour": 11, "minute": 35}
